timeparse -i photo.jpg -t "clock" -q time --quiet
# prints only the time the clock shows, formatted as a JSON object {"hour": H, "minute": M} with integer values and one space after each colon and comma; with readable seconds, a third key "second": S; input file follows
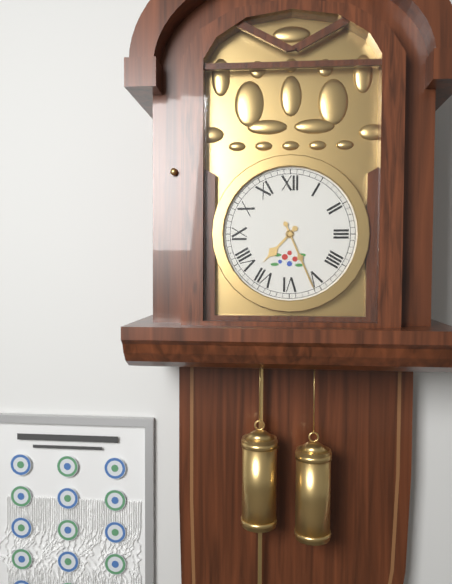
{"hour": 7, "minute": 26}
